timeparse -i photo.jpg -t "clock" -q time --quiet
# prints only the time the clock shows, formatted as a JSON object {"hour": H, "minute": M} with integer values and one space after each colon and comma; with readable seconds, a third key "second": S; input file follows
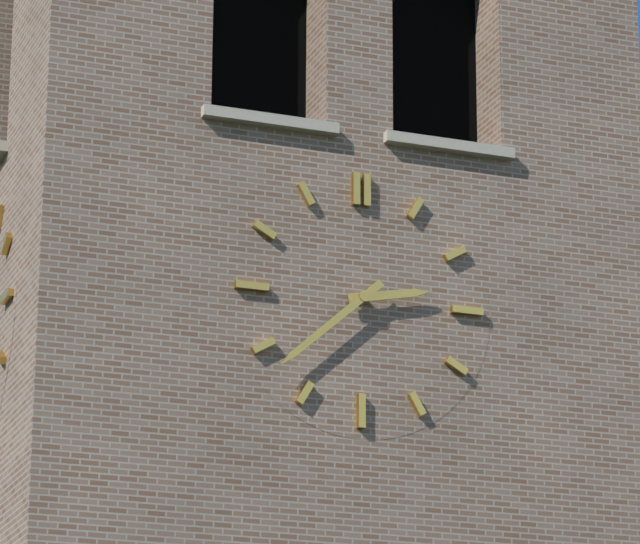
{"hour": 2, "minute": 38}
